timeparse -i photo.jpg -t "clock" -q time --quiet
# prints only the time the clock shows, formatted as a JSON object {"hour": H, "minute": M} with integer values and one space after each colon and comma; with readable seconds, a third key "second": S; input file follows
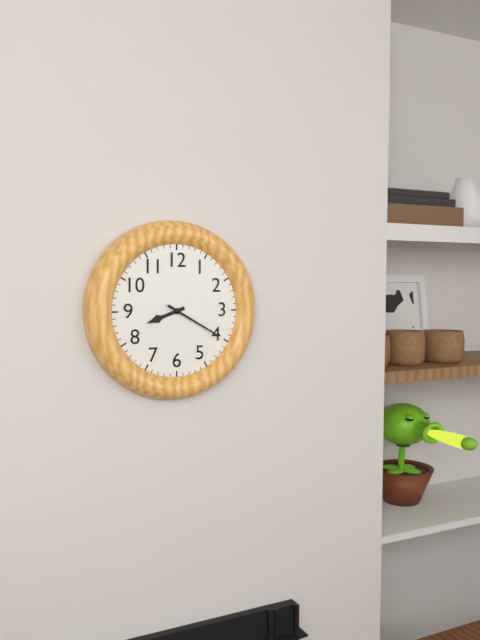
{"hour": 8, "minute": 20}
